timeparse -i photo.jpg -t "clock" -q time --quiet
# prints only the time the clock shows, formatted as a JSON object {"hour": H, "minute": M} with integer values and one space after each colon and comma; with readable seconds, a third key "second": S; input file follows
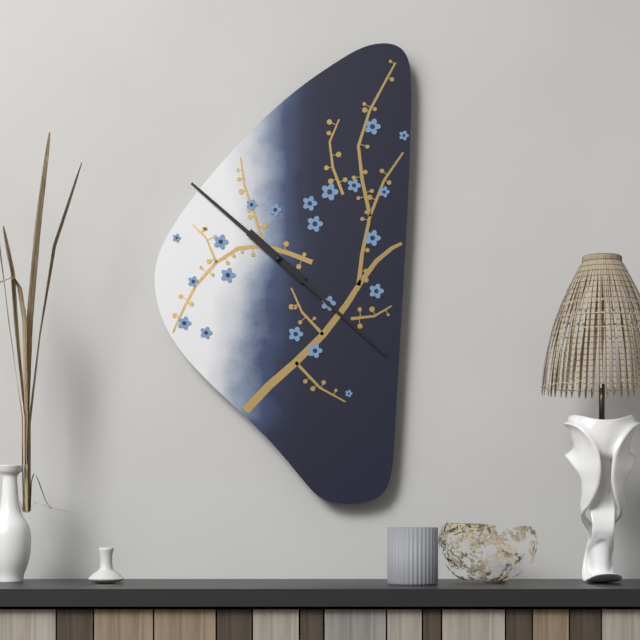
{"hour": 10, "minute": 22}
